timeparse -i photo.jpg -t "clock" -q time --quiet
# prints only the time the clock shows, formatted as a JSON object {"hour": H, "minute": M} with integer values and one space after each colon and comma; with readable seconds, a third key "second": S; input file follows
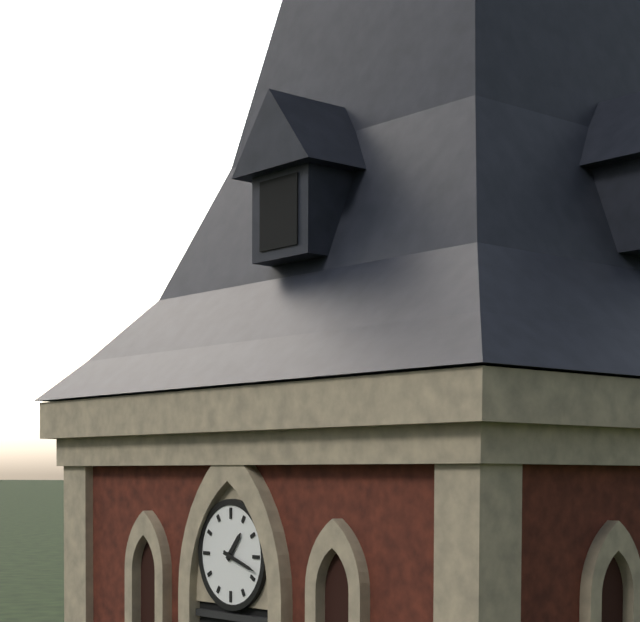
{"hour": 1, "minute": 18}
